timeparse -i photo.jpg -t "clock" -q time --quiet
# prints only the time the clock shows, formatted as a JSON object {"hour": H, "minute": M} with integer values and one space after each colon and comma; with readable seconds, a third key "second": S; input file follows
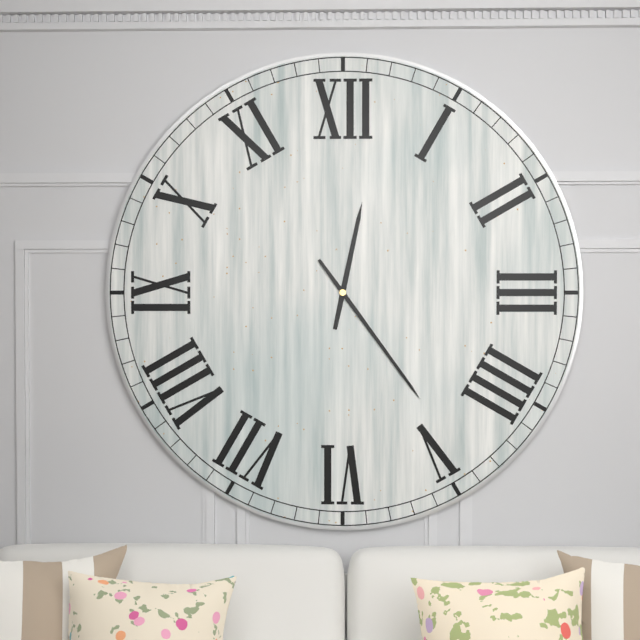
{"hour": 12, "minute": 24}
